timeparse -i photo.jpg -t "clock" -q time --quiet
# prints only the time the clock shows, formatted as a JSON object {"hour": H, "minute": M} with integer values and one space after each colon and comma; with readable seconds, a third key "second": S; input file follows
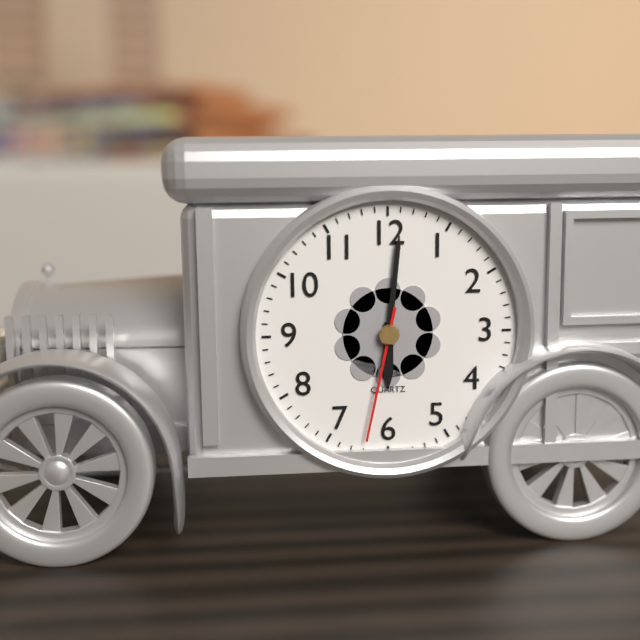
{"hour": 6, "minute": 1, "second": 32}
